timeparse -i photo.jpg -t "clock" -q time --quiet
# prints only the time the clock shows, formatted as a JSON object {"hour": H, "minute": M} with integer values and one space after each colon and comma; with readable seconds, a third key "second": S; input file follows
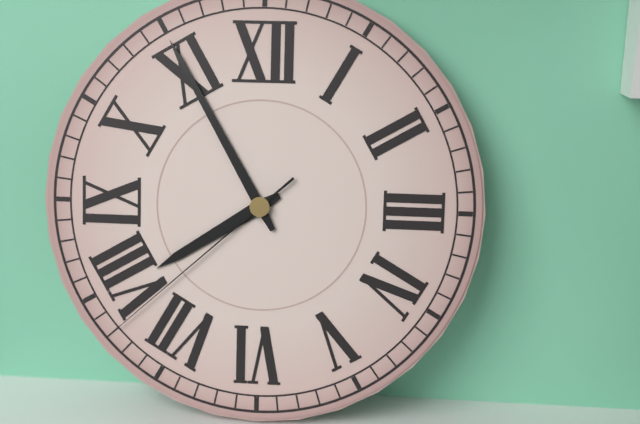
{"hour": 7, "minute": 55, "second": 38}
